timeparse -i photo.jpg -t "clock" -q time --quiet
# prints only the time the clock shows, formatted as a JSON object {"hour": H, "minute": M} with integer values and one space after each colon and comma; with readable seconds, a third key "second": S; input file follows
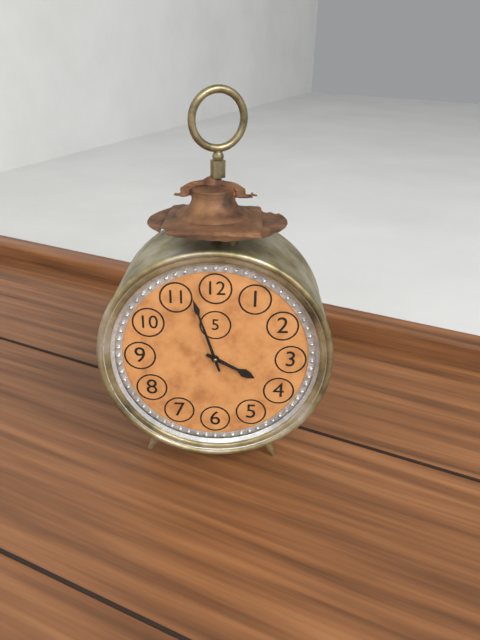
{"hour": 3, "minute": 57}
